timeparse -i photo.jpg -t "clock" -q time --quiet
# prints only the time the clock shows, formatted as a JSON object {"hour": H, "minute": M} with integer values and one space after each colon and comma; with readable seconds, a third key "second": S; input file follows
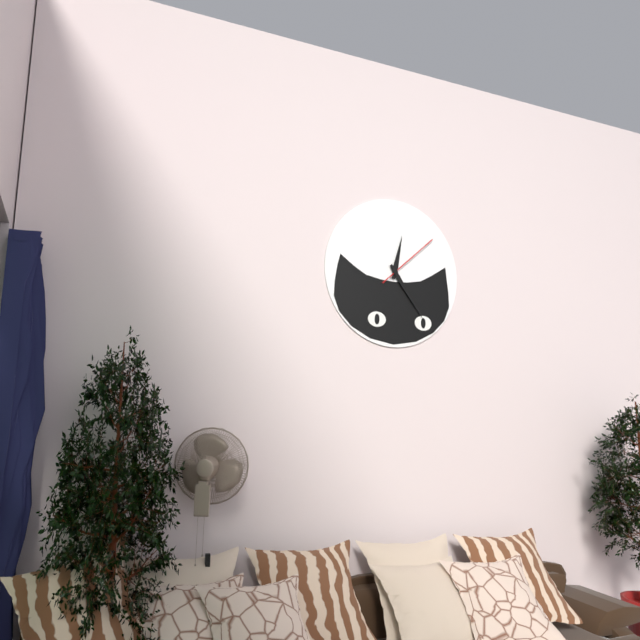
{"hour": 12, "minute": 24, "second": 8}
